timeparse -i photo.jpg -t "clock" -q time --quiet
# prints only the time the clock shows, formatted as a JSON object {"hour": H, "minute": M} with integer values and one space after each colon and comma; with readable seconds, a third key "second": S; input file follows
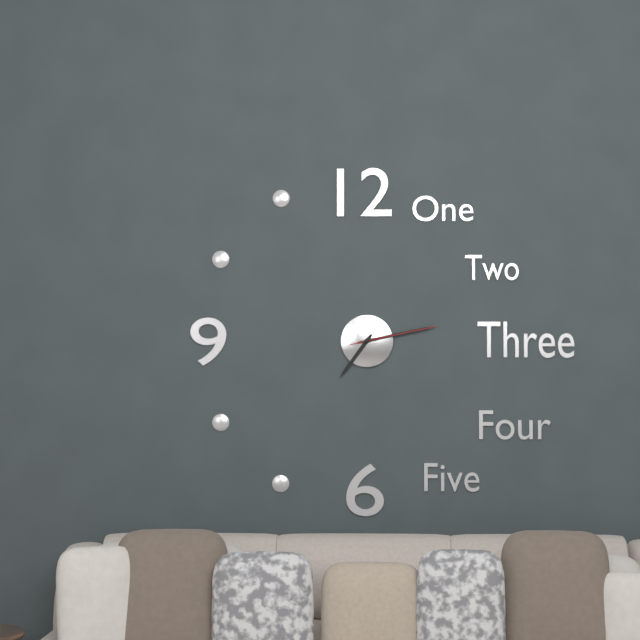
{"hour": 7, "minute": 13, "second": 13}
